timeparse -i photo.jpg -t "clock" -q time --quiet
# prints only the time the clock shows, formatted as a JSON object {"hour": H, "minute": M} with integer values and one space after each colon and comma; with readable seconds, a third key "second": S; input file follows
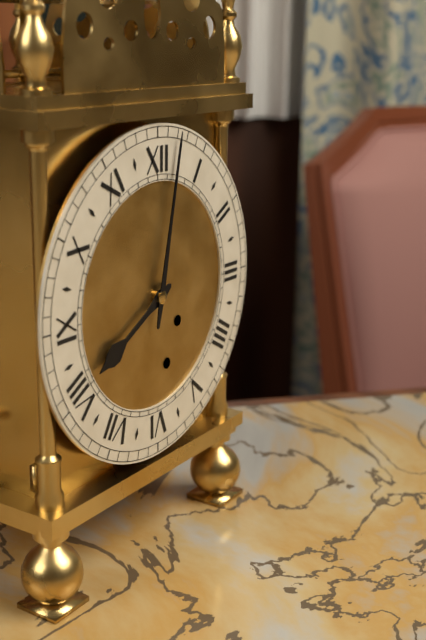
{"hour": 8, "minute": 2}
